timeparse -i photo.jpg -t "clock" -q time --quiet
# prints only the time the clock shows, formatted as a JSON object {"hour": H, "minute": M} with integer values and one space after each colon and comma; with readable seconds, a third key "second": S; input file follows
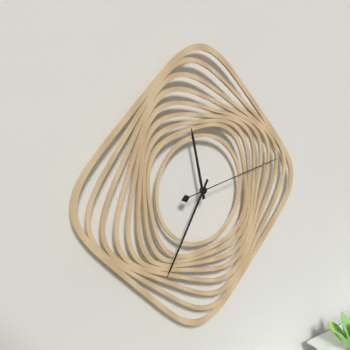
{"hour": 11, "minute": 35, "second": 13}
